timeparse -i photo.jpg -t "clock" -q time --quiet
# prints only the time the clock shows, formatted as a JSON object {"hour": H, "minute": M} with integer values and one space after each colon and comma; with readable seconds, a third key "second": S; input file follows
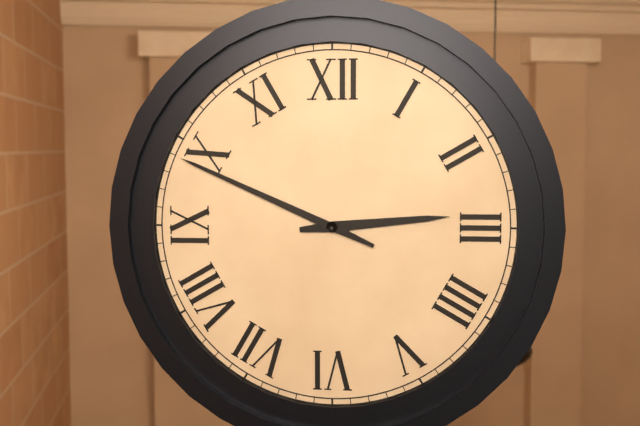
{"hour": 2, "minute": 49}
